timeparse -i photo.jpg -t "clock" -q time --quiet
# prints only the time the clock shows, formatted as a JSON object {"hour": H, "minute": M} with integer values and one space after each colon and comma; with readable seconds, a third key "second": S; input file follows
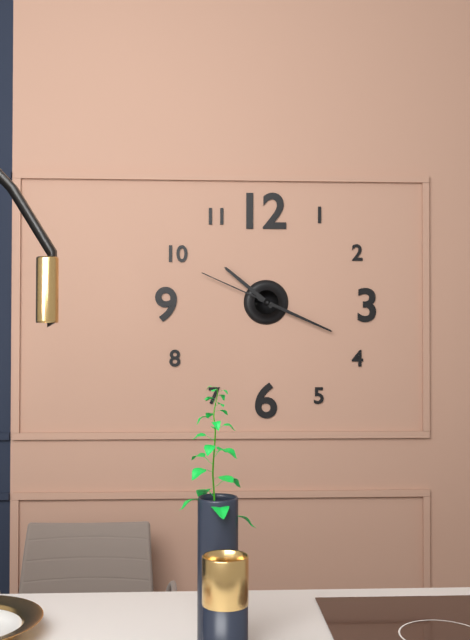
{"hour": 10, "minute": 19, "second": 49}
